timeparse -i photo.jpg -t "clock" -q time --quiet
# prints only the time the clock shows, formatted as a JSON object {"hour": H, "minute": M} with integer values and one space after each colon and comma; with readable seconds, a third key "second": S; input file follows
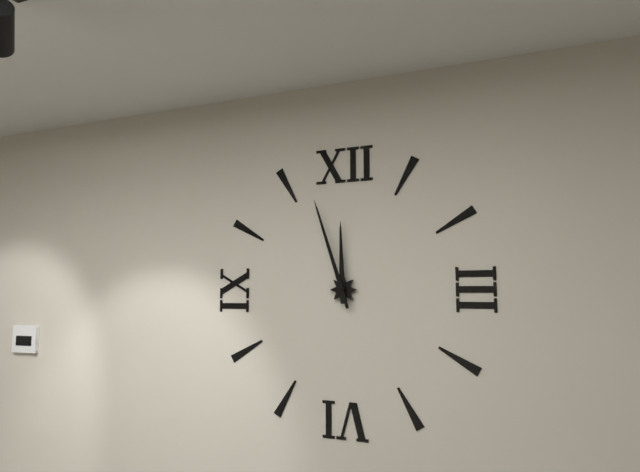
{"hour": 11, "minute": 57}
